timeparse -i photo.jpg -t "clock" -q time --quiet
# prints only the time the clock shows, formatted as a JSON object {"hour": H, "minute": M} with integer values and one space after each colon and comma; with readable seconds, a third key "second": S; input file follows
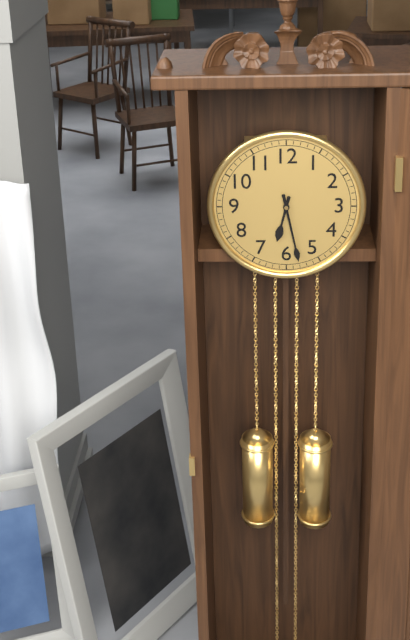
{"hour": 6, "minute": 28}
